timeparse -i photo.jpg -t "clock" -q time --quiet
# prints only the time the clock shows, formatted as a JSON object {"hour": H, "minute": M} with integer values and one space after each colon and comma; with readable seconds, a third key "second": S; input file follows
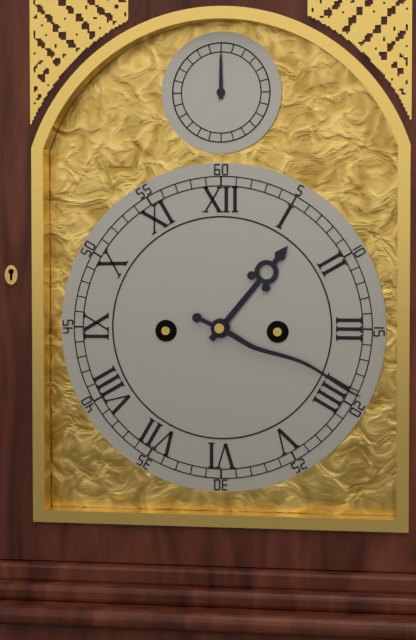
{"hour": 1, "minute": 19}
